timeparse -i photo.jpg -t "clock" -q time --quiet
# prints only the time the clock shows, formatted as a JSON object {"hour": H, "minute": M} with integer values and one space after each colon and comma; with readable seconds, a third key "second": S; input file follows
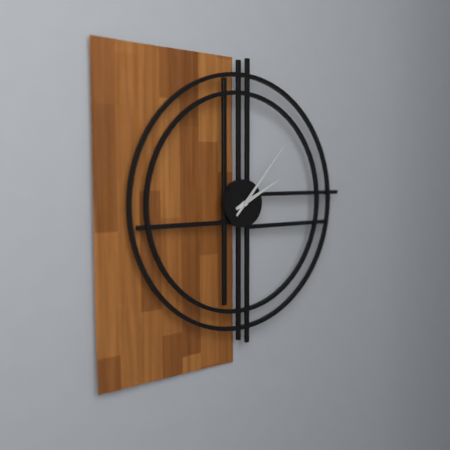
{"hour": 2, "minute": 7}
